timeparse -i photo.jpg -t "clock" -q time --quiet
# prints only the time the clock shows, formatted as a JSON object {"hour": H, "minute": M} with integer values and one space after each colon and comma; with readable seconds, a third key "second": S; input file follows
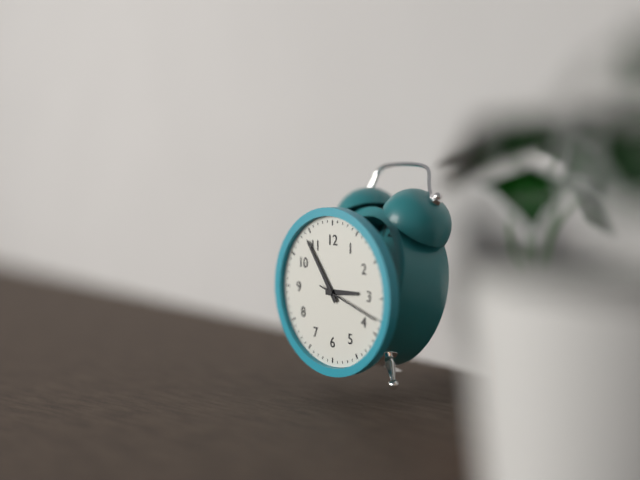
{"hour": 2, "minute": 54, "second": 18}
